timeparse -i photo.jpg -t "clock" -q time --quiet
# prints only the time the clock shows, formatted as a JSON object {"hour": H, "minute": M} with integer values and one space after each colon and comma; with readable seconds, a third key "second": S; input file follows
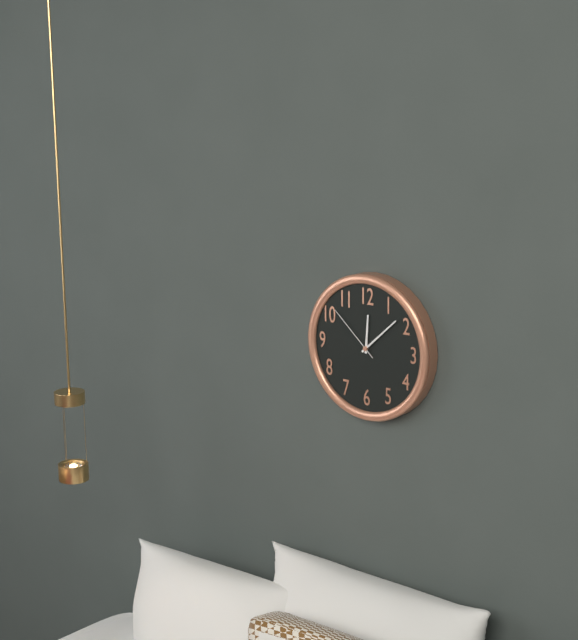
{"hour": 12, "minute": 8, "second": 52}
